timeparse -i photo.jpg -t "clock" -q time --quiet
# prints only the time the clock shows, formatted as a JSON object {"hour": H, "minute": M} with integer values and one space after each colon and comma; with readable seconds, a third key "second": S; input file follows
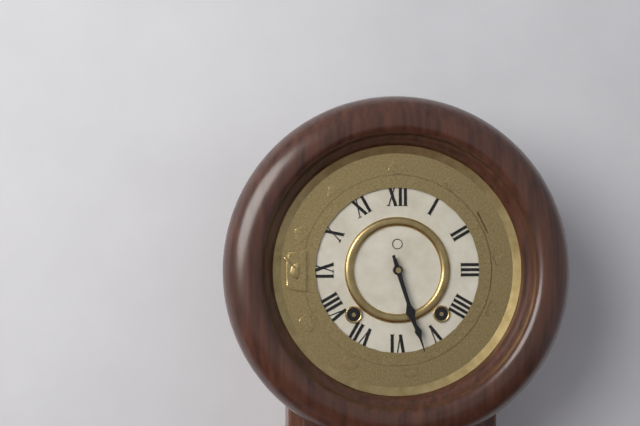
{"hour": 5, "minute": 27}
